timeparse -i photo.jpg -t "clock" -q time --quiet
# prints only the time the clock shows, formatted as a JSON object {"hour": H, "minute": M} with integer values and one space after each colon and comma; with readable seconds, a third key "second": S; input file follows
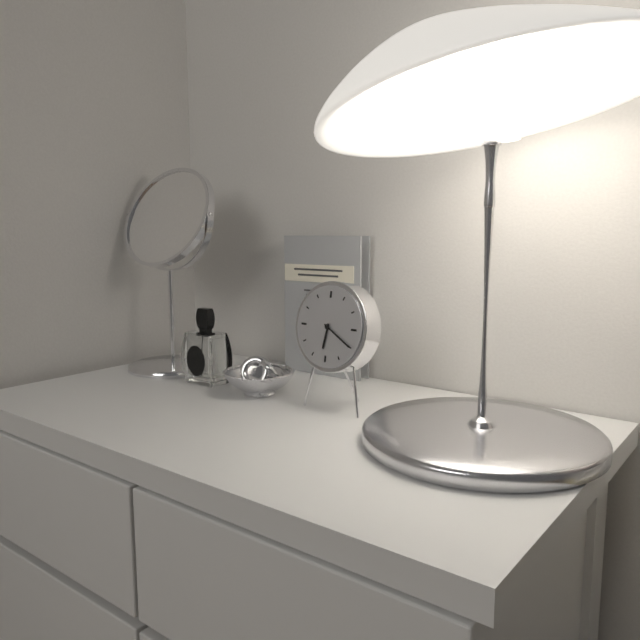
{"hour": 6, "minute": 20}
